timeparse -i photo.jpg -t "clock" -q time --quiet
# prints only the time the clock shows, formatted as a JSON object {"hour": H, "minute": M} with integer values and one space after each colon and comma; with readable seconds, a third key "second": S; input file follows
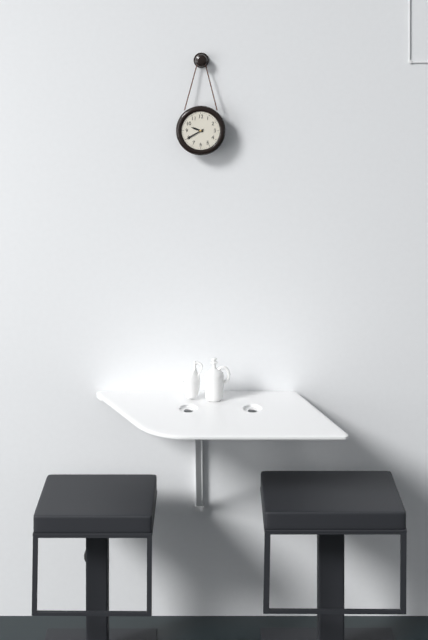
{"hour": 9, "minute": 40}
